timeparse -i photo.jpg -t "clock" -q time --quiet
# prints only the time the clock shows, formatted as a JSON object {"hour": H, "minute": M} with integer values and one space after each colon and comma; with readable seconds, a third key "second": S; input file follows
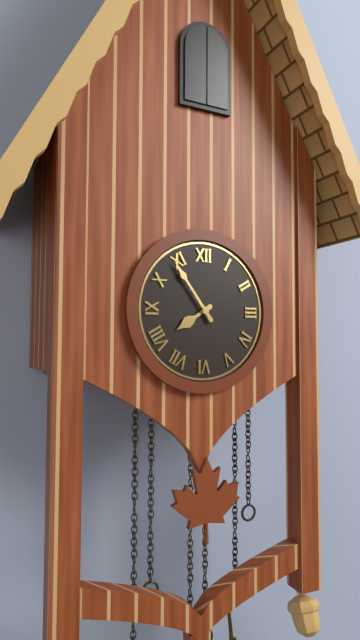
{"hour": 7, "minute": 54}
